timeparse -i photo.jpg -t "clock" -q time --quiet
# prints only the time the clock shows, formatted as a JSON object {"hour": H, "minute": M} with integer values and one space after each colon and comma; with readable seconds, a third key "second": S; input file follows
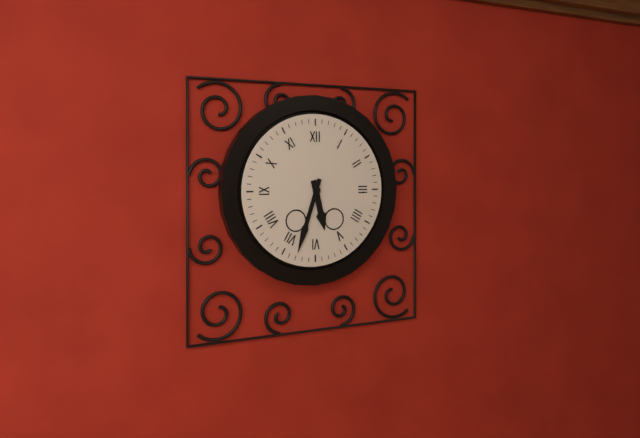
{"hour": 5, "minute": 33}
